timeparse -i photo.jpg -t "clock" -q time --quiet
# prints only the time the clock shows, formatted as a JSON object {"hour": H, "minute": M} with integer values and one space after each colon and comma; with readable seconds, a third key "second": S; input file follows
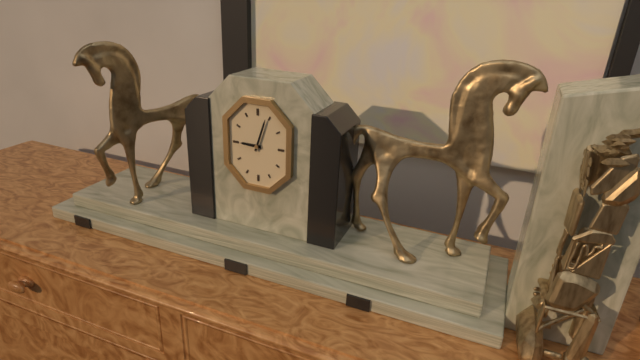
{"hour": 9, "minute": 3}
